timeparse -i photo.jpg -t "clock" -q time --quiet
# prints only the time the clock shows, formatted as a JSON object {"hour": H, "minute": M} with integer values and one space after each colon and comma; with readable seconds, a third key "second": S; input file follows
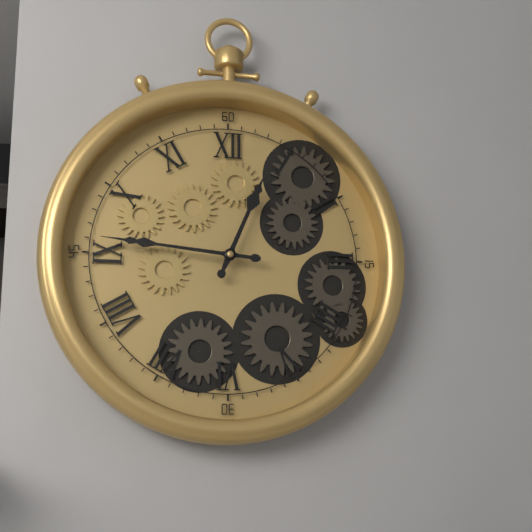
{"hour": 12, "minute": 46}
